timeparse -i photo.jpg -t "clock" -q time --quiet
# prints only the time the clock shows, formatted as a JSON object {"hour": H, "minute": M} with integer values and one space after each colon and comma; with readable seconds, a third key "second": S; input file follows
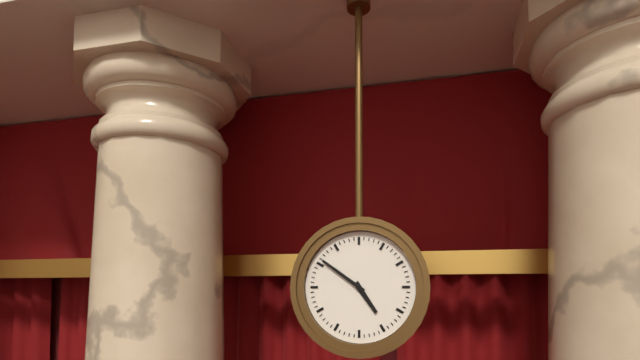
{"hour": 4, "minute": 51}
